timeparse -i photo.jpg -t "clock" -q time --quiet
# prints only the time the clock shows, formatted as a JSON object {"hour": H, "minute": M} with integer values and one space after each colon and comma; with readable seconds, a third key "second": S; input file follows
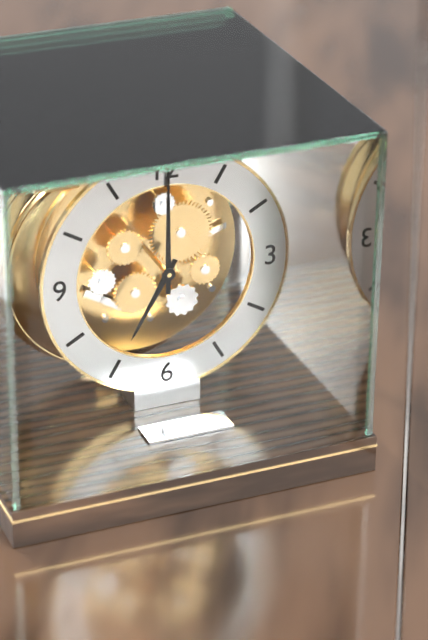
{"hour": 7, "minute": 0}
